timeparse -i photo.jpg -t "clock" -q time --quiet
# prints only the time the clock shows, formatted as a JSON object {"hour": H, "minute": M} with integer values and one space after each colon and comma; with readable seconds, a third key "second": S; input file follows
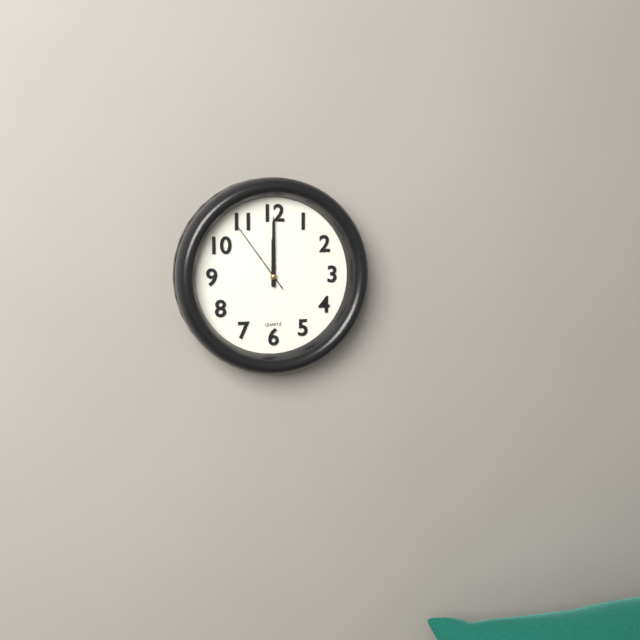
{"hour": 12, "minute": 0, "second": 54}
